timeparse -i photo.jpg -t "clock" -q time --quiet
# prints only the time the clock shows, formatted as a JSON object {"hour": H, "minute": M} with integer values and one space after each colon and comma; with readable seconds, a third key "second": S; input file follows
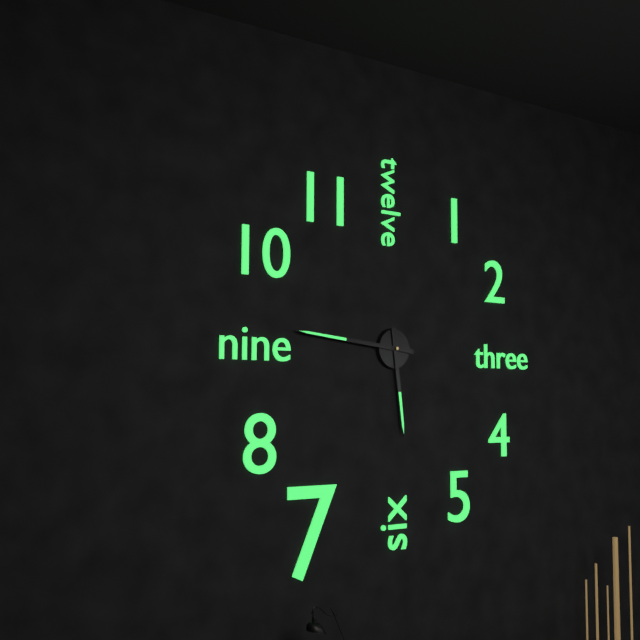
{"hour": 5, "minute": 46}
